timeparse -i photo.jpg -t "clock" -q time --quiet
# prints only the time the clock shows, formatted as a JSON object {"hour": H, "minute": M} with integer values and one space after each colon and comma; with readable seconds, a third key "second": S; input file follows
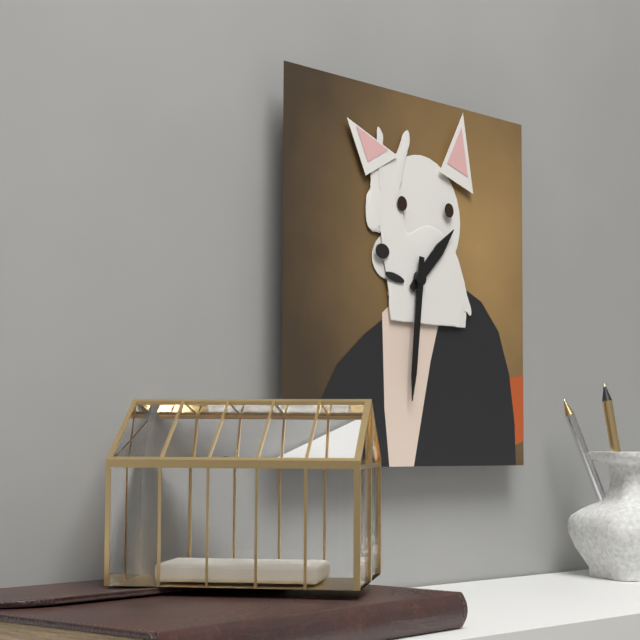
{"hour": 1, "minute": 31}
